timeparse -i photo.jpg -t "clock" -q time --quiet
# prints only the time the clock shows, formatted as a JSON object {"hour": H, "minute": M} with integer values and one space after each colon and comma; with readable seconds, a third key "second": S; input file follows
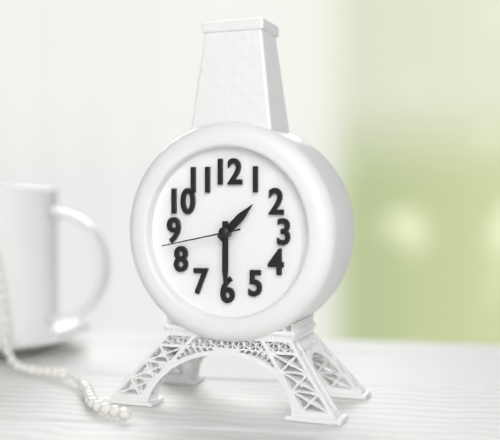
{"hour": 1, "minute": 30, "second": 43}
